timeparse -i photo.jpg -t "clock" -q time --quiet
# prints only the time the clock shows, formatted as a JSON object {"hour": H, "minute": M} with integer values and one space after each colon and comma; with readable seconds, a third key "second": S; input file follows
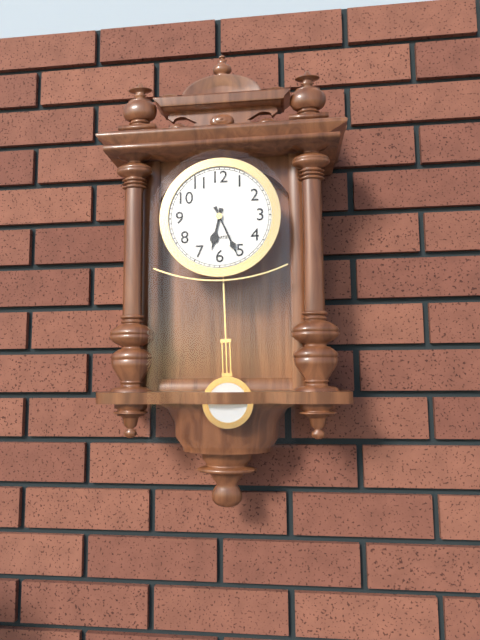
{"hour": 6, "minute": 26}
